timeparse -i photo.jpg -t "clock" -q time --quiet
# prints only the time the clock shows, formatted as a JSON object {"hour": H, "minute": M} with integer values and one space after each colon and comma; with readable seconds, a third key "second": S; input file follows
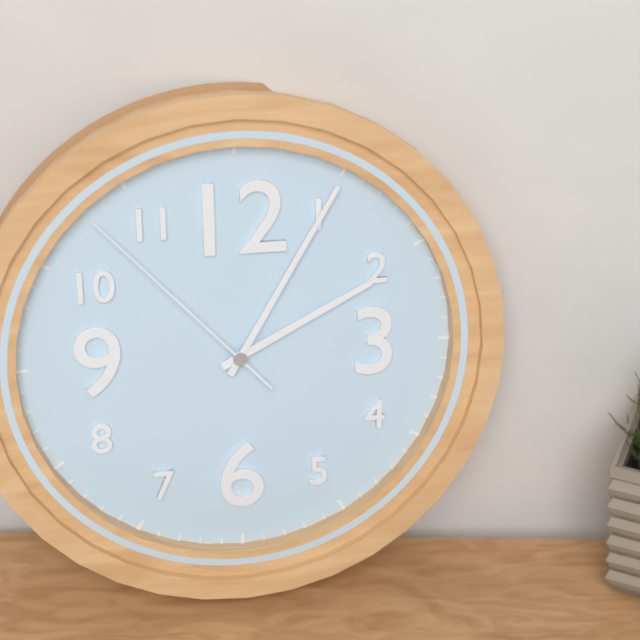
{"hour": 2, "minute": 5, "second": 53}
